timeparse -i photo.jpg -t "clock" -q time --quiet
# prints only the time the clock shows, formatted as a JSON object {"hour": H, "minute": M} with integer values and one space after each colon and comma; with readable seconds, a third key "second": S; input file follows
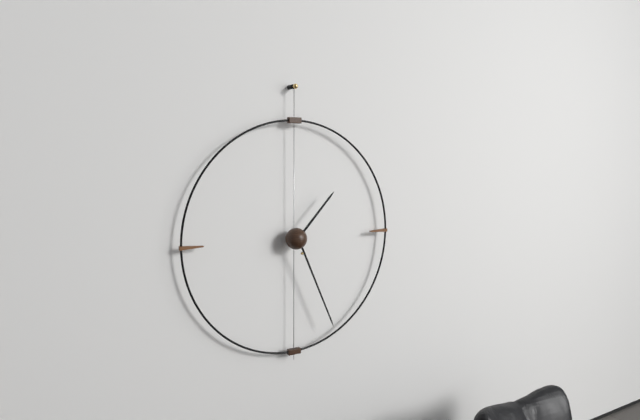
{"hour": 1, "minute": 26}
